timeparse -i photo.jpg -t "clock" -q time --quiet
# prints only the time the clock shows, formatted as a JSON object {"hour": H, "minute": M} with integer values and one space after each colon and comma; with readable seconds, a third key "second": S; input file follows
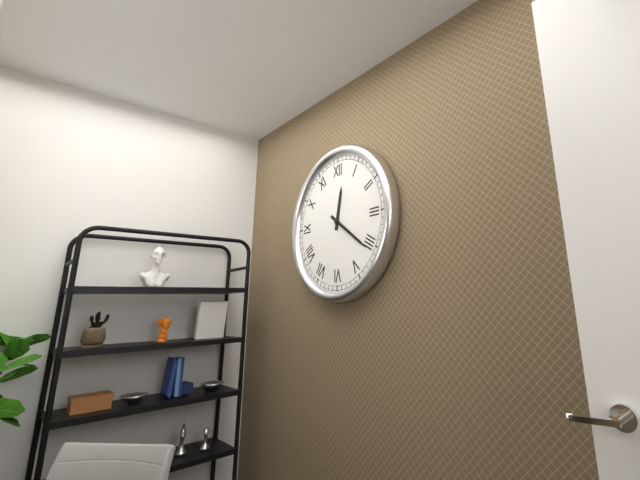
{"hour": 12, "minute": 21}
